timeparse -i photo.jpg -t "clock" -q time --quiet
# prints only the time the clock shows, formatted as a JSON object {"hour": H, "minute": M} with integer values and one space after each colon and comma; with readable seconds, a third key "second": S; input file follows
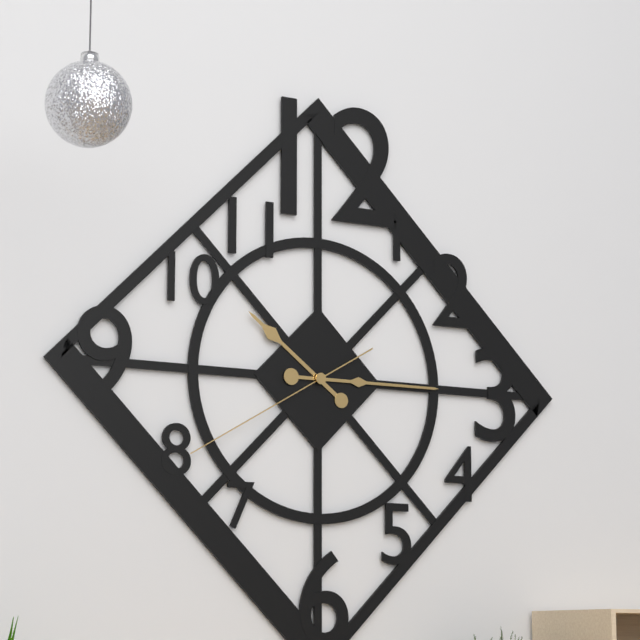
{"hour": 10, "minute": 15, "second": 40}
